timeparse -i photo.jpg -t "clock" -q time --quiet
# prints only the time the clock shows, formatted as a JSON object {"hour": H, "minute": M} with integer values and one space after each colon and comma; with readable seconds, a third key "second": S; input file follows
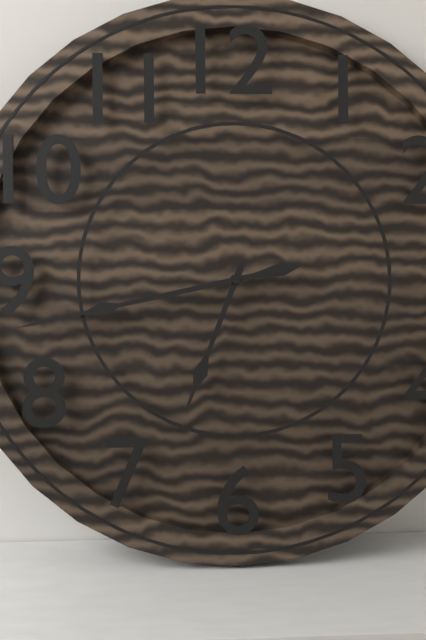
{"hour": 6, "minute": 43}
